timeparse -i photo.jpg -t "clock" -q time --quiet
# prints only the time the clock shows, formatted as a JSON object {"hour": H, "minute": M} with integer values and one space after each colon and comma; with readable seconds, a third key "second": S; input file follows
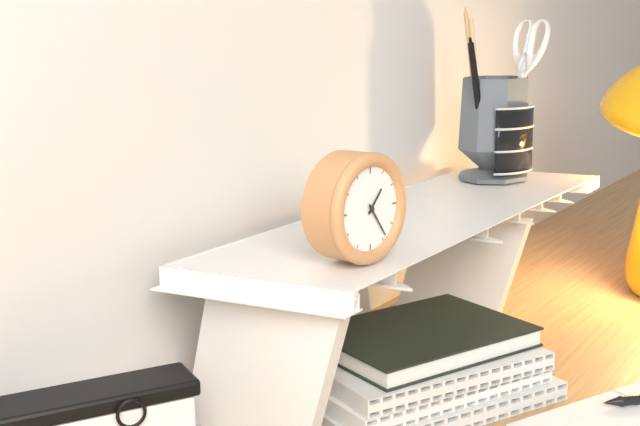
{"hour": 1, "minute": 24}
